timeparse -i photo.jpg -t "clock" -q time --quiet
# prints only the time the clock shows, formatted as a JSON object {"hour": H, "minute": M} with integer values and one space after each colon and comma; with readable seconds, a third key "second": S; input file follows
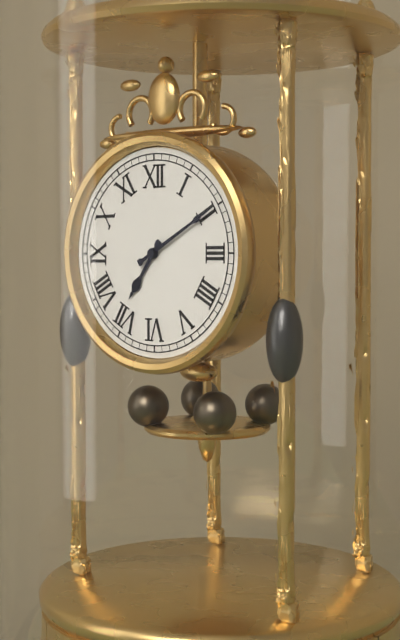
{"hour": 7, "minute": 10}
